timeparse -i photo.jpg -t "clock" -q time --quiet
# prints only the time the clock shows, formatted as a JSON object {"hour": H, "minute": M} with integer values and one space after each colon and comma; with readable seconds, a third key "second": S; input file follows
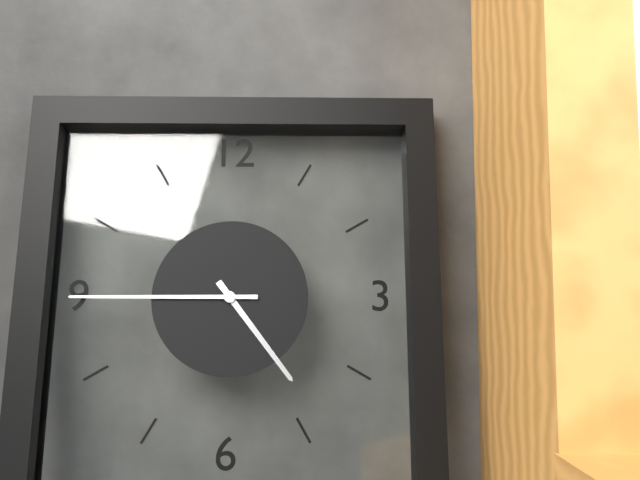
{"hour": 4, "minute": 45}
